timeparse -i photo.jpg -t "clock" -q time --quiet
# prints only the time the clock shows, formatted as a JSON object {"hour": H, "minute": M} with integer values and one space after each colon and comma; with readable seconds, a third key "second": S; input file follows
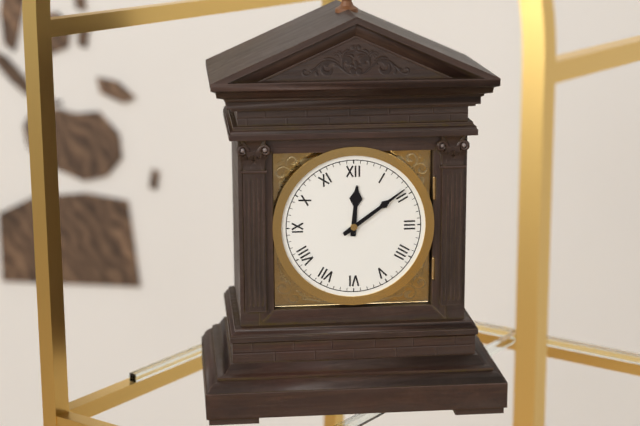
{"hour": 12, "minute": 9}
